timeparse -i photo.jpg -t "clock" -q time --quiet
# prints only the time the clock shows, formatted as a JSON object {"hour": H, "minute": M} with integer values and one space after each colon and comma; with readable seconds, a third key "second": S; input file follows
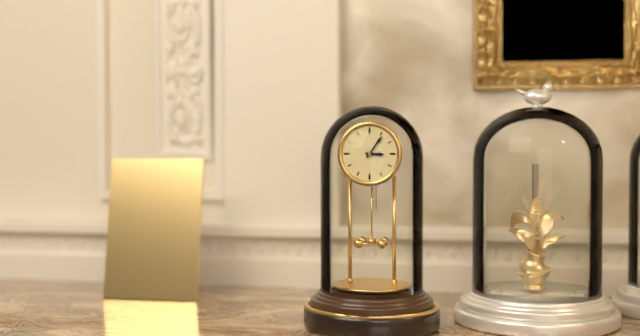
{"hour": 3, "minute": 6}
